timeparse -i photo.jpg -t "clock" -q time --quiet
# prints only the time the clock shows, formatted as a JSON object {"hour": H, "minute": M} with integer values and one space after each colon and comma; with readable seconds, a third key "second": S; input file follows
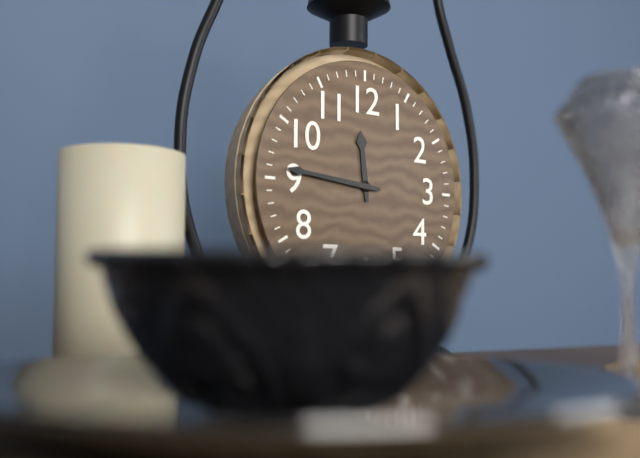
{"hour": 11, "minute": 46}
